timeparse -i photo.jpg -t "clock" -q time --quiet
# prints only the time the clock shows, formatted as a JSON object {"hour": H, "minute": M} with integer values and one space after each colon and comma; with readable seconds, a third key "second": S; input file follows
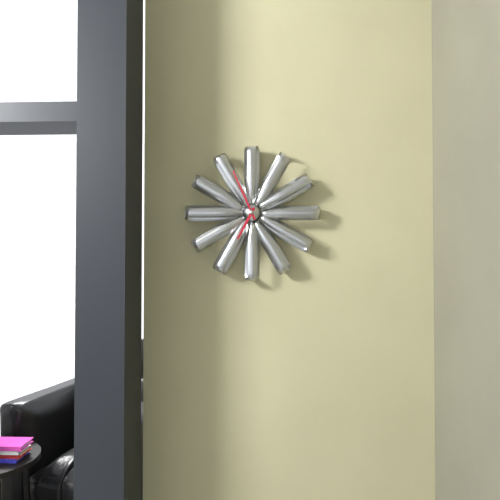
{"hour": 6, "minute": 56}
